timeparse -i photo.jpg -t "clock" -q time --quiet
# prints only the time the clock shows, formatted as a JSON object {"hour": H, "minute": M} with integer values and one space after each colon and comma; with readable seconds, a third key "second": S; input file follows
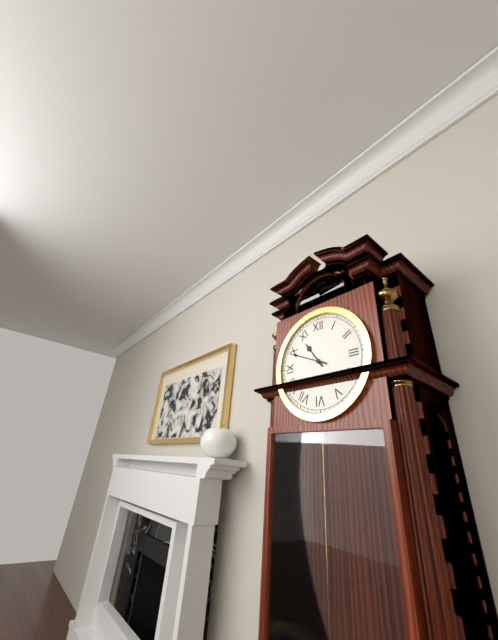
{"hour": 10, "minute": 49}
